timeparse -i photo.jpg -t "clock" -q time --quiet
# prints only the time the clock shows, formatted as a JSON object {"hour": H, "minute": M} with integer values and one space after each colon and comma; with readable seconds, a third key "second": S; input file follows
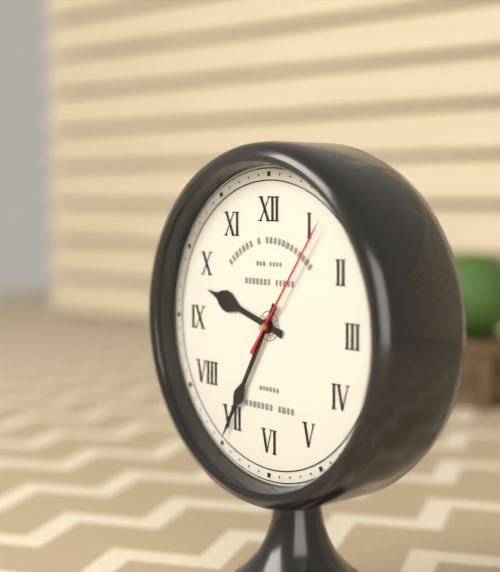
{"hour": 9, "minute": 35, "second": 6}
